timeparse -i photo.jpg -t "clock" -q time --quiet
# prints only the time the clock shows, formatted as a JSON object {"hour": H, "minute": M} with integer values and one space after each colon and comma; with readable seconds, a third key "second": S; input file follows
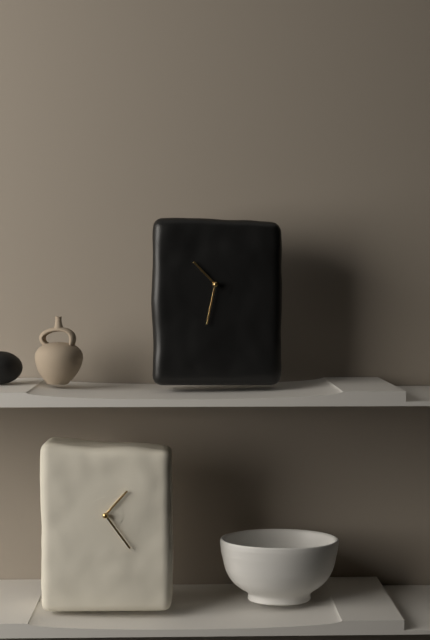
{"hour": 10, "minute": 32}
